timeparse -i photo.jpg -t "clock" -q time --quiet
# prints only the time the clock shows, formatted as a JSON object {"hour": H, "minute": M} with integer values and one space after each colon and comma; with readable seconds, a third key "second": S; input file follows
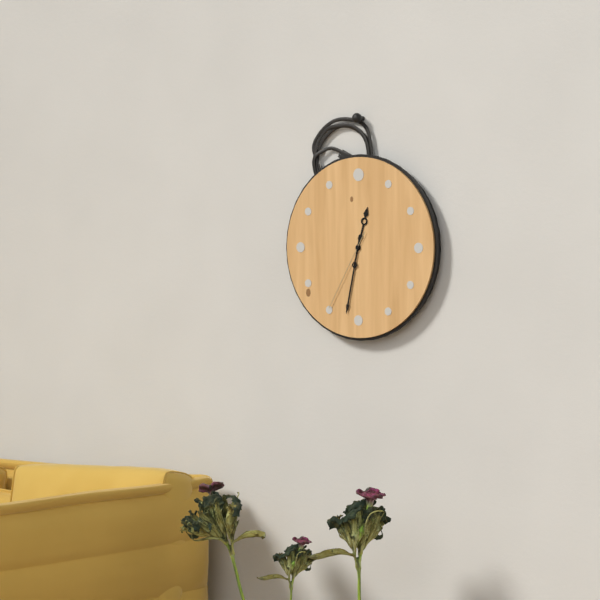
{"hour": 12, "minute": 32, "second": 35}
